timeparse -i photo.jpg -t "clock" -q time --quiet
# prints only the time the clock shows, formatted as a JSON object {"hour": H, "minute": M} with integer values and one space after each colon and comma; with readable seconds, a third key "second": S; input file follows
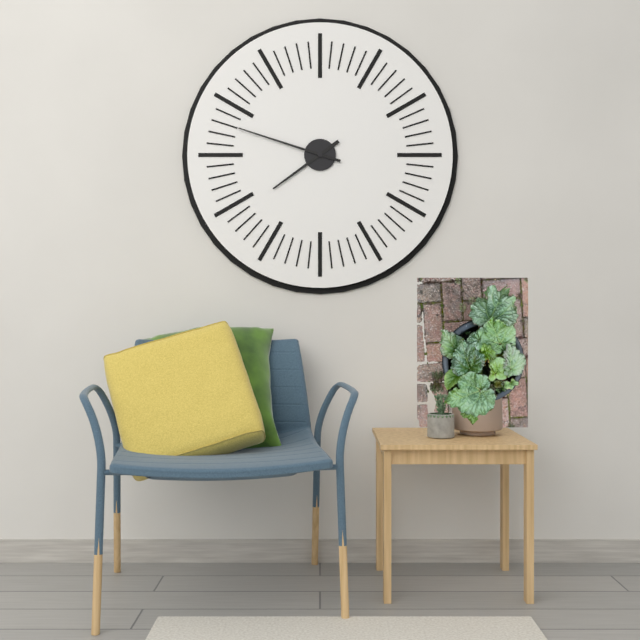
{"hour": 7, "minute": 48}
